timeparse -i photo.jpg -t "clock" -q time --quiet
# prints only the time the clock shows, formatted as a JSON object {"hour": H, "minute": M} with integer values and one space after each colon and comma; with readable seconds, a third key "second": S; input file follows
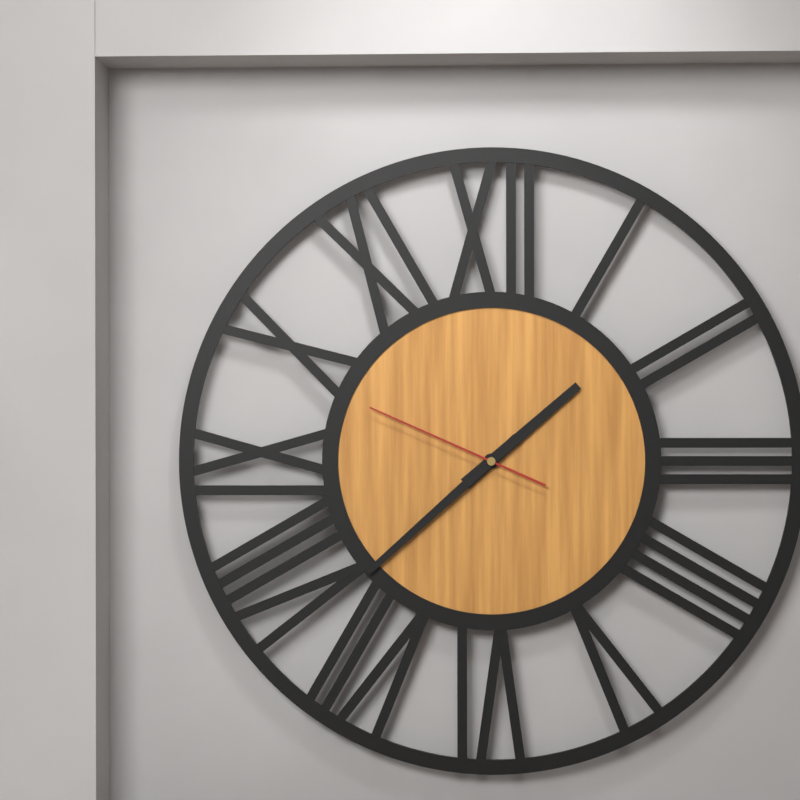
{"hour": 1, "minute": 38, "second": 49}
